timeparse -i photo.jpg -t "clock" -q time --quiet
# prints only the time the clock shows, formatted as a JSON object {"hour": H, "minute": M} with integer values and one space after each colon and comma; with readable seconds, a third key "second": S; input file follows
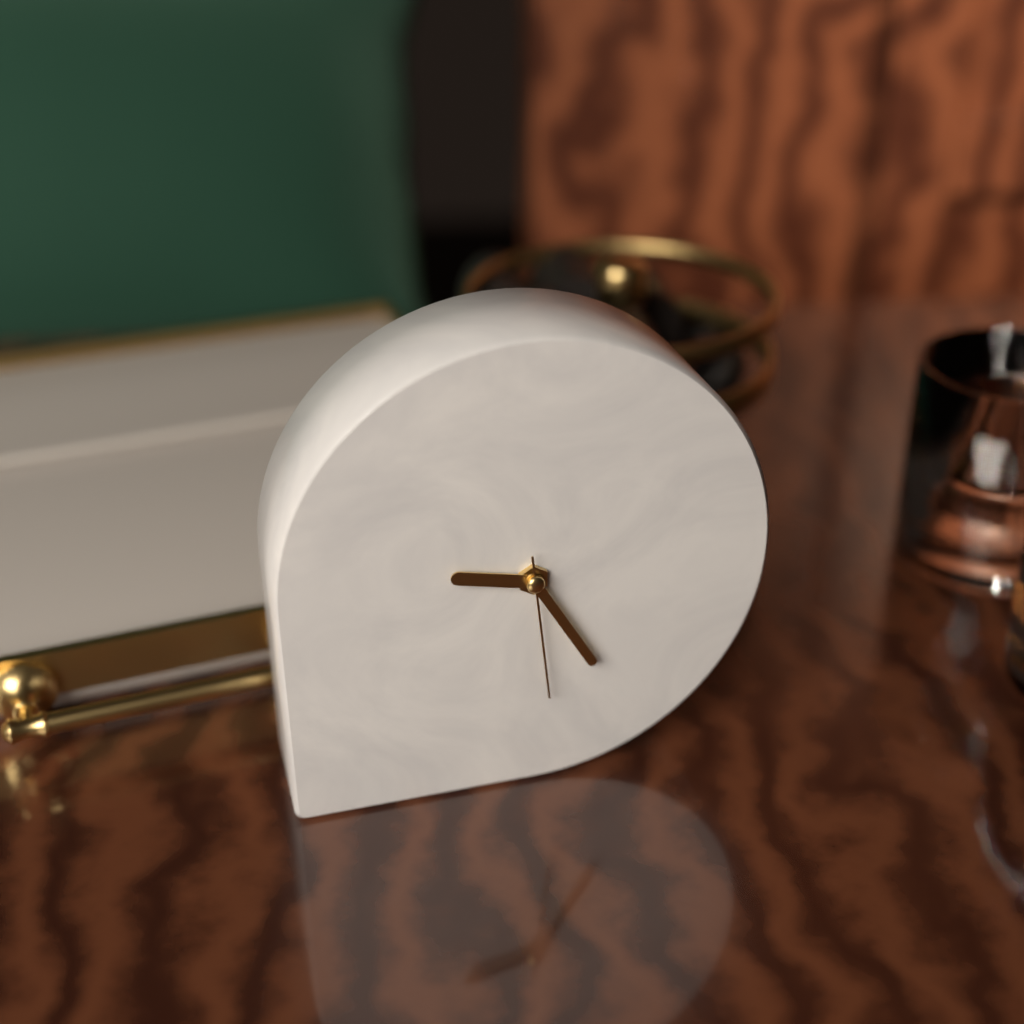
{"hour": 9, "minute": 25, "second": 29}
